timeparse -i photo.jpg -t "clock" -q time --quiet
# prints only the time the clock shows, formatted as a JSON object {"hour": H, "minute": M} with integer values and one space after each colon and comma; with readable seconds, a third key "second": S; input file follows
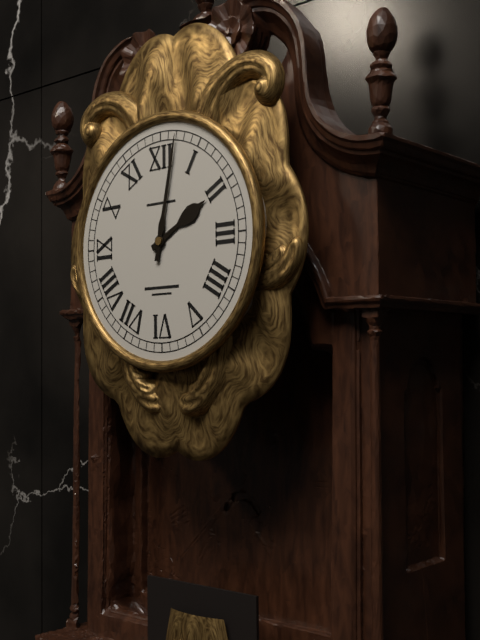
{"hour": 2, "minute": 2}
